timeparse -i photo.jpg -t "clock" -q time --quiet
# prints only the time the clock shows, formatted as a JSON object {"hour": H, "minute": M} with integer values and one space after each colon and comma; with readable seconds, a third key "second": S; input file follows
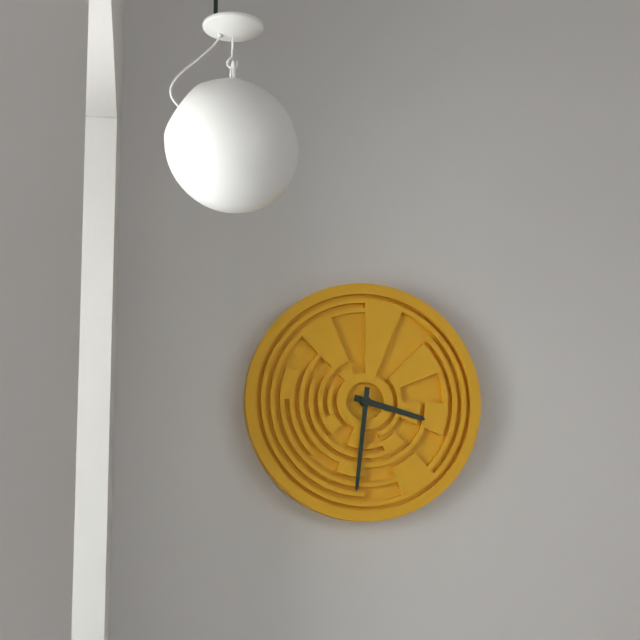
{"hour": 3, "minute": 31}
